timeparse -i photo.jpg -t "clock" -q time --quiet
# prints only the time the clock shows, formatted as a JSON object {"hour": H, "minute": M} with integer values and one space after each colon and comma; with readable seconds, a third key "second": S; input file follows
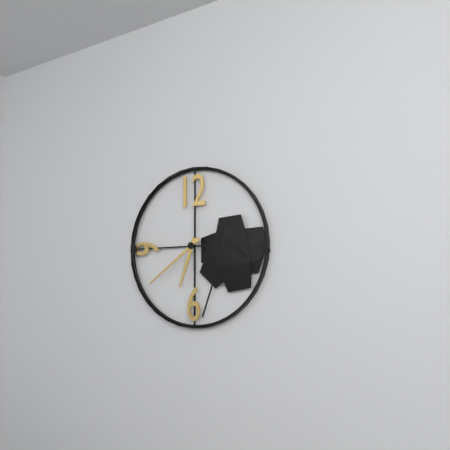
{"hour": 6, "minute": 39}
